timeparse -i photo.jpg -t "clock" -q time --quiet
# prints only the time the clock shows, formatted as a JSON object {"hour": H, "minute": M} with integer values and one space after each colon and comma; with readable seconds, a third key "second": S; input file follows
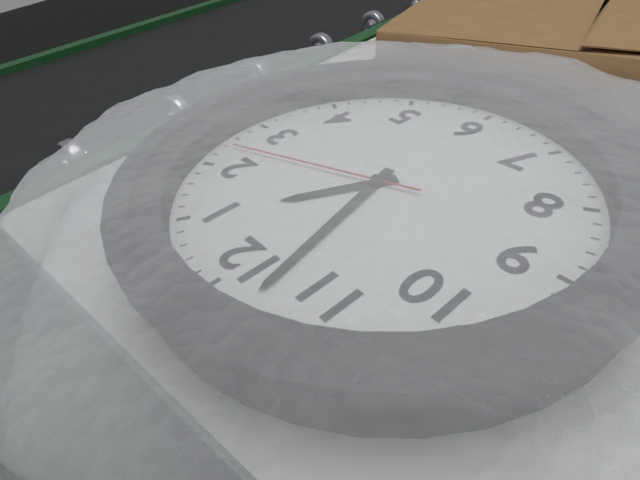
{"hour": 12, "minute": 58, "second": 12}
